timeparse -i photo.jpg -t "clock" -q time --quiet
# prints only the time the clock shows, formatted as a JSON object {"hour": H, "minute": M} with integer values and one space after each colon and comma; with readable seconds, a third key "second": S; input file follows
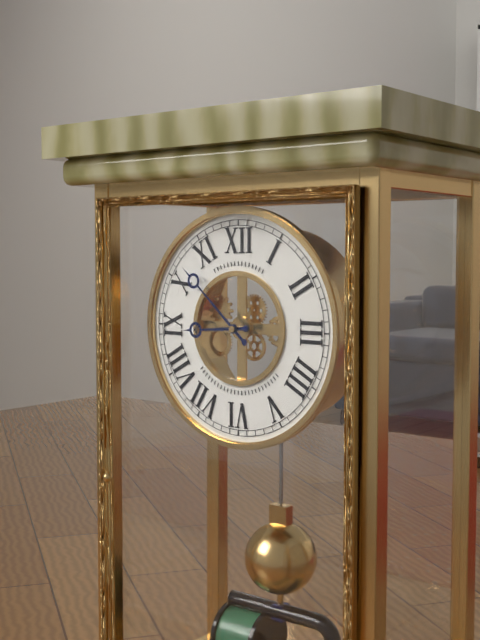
{"hour": 8, "minute": 52}
